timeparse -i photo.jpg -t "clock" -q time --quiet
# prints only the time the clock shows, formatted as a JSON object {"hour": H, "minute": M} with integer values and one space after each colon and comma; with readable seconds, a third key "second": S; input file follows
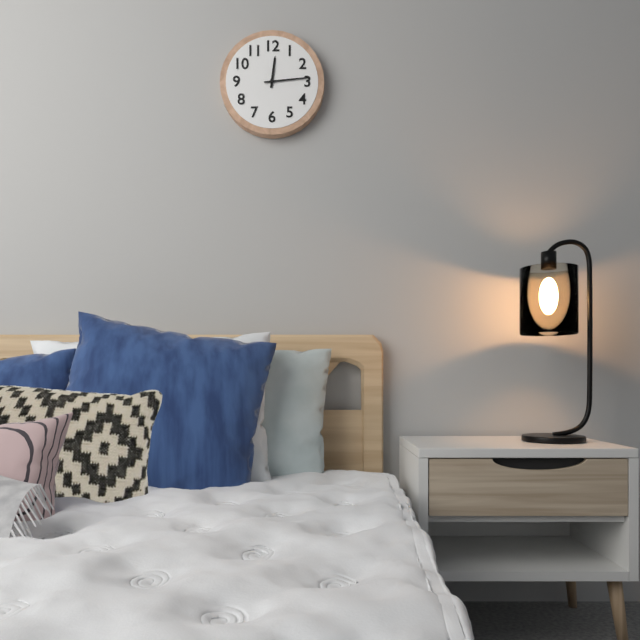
{"hour": 12, "minute": 14}
